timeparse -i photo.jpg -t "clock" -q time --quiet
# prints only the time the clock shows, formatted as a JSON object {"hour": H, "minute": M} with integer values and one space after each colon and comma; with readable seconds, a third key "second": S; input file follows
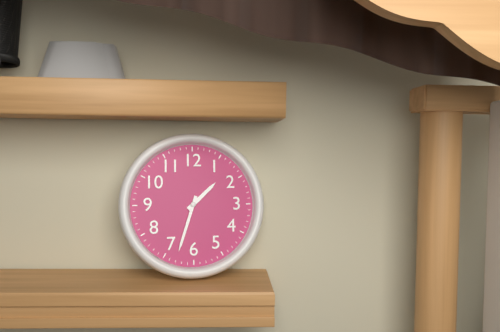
{"hour": 1, "minute": 33}
